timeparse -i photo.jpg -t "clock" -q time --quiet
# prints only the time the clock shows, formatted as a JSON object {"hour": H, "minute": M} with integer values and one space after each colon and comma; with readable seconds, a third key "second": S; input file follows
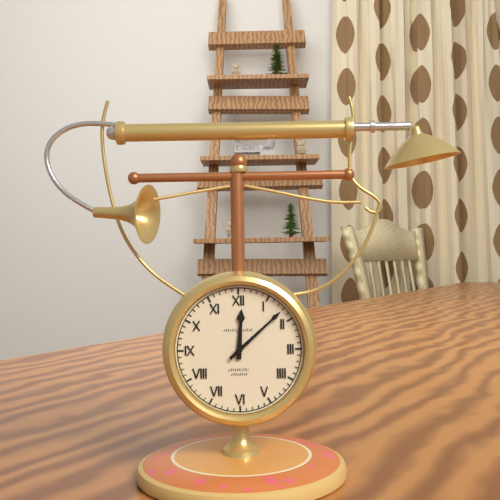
{"hour": 12, "minute": 8}
